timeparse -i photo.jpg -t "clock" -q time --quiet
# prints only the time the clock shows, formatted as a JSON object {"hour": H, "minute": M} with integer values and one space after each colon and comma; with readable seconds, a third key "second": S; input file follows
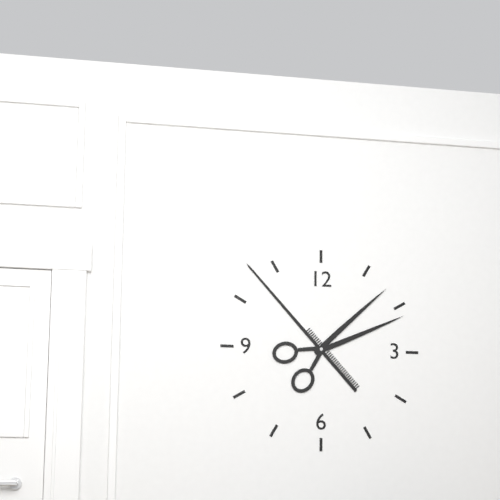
{"hour": 1, "minute": 53}
